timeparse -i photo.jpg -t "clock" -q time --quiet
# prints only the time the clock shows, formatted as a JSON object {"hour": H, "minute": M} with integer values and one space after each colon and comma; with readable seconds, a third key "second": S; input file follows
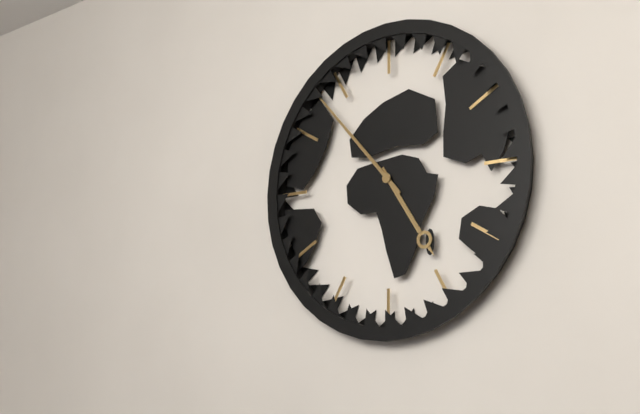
{"hour": 4, "minute": 53}
